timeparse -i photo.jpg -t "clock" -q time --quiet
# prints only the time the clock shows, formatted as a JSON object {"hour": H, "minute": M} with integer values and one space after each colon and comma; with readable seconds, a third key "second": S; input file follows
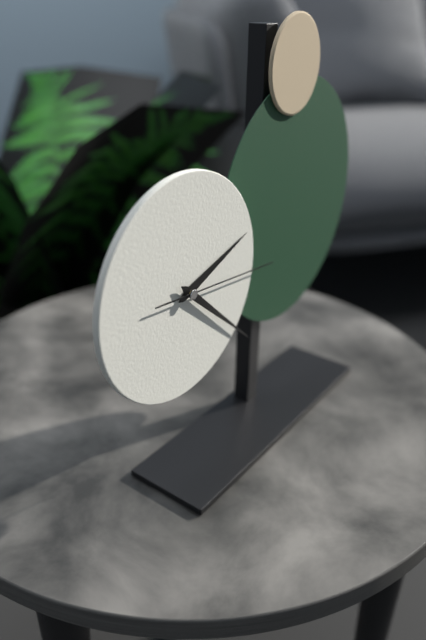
{"hour": 2, "minute": 22, "second": 16}
